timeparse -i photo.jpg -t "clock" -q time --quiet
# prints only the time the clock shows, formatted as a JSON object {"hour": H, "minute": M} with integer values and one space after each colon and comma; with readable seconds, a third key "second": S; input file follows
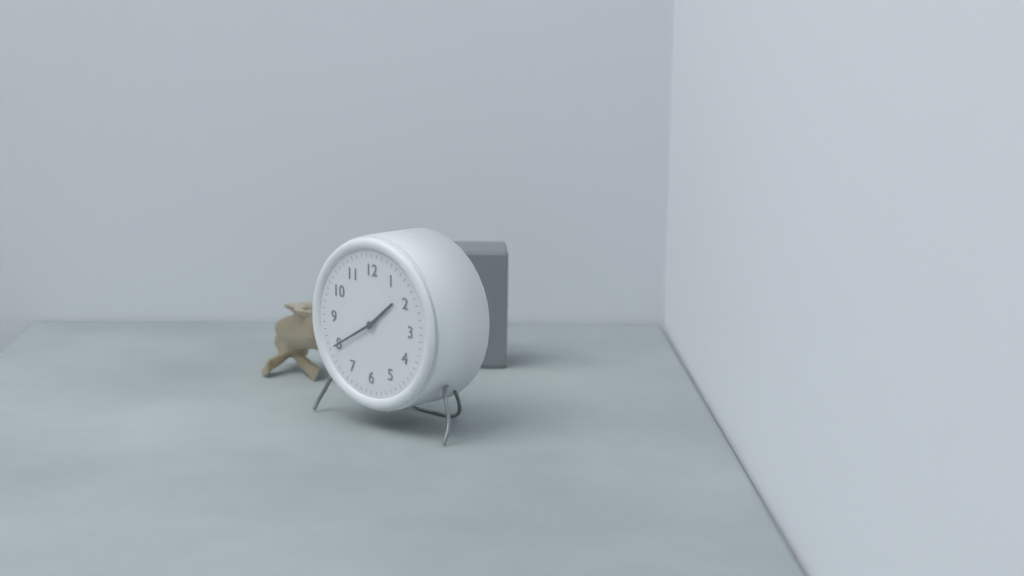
{"hour": 1, "minute": 40}
